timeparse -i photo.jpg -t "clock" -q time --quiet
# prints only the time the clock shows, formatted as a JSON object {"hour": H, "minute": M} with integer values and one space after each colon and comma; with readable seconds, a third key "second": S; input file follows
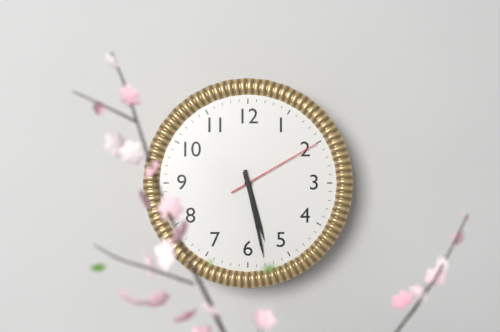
{"hour": 5, "minute": 28, "second": 10}
